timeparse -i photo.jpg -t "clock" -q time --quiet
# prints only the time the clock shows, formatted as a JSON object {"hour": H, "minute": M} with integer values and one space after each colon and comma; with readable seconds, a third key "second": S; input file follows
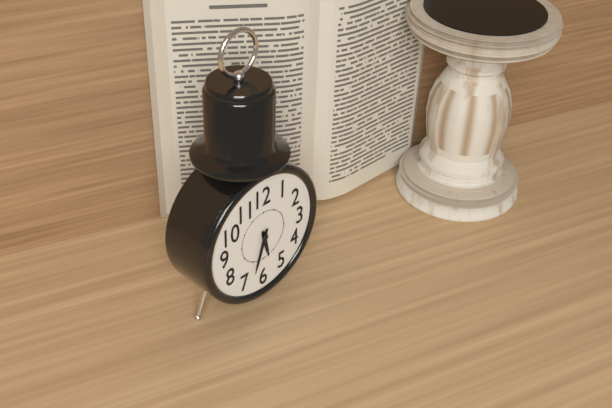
{"hour": 5, "minute": 33}
